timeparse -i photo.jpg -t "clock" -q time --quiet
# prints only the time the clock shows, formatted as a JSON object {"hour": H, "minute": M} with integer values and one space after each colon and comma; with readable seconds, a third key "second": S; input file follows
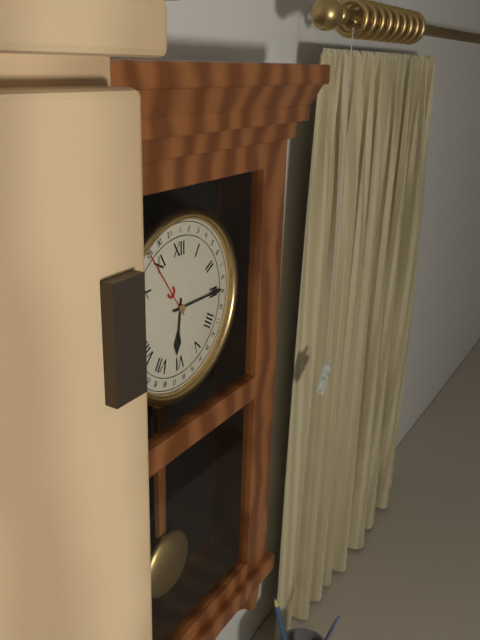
{"hour": 6, "minute": 15}
